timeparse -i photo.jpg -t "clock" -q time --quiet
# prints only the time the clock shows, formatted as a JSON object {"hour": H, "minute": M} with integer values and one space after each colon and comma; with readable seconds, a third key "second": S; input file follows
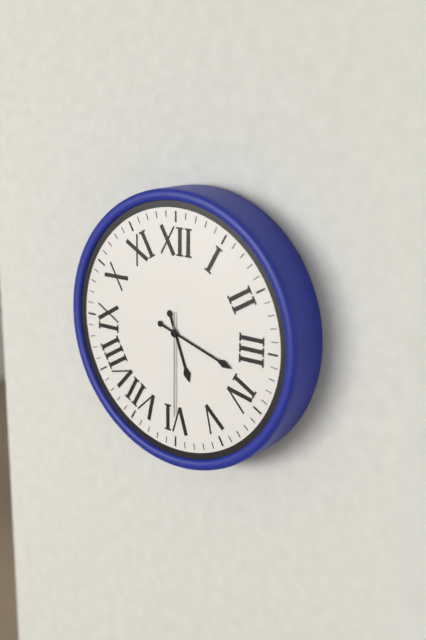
{"hour": 5, "minute": 18, "second": 30}
